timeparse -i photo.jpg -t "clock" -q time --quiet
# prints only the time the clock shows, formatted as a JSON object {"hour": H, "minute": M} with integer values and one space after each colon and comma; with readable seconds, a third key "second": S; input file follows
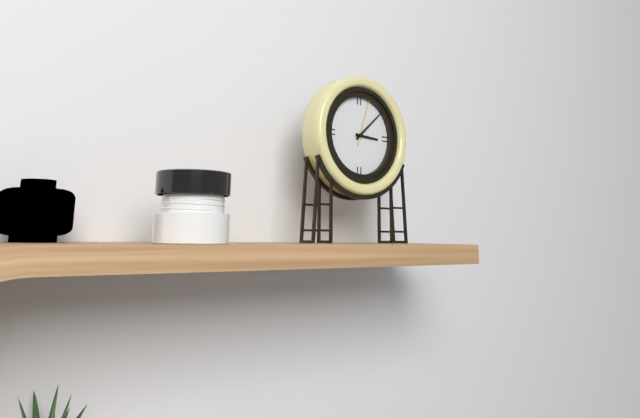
{"hour": 3, "minute": 8}
